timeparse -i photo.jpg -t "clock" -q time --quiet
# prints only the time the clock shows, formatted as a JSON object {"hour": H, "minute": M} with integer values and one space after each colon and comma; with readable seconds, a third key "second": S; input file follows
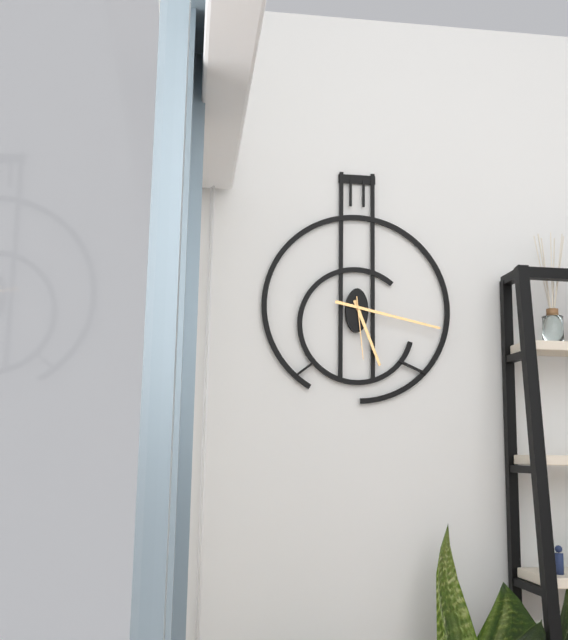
{"hour": 5, "minute": 17, "second": 29}
